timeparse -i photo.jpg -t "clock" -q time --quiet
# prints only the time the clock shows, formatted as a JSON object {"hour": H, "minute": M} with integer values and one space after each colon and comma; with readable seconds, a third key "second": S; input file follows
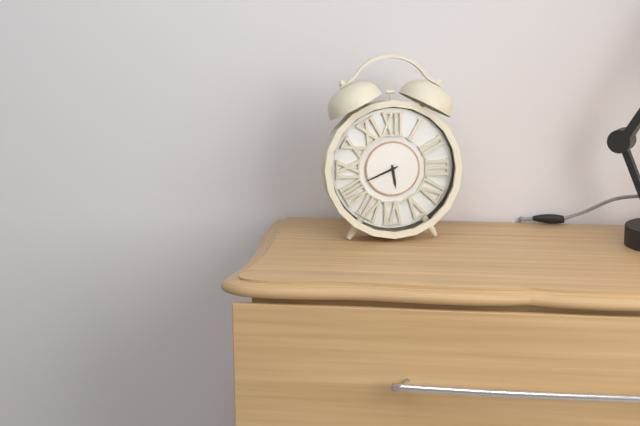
{"hour": 5, "minute": 41}
